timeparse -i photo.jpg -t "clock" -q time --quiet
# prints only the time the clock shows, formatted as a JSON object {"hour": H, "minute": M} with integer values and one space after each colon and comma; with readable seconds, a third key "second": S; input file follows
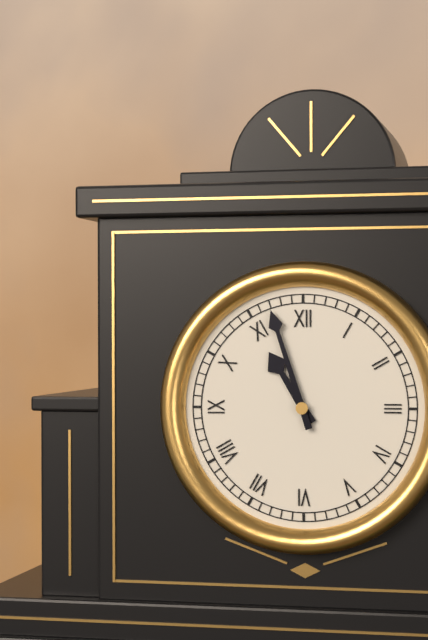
{"hour": 10, "minute": 57}
